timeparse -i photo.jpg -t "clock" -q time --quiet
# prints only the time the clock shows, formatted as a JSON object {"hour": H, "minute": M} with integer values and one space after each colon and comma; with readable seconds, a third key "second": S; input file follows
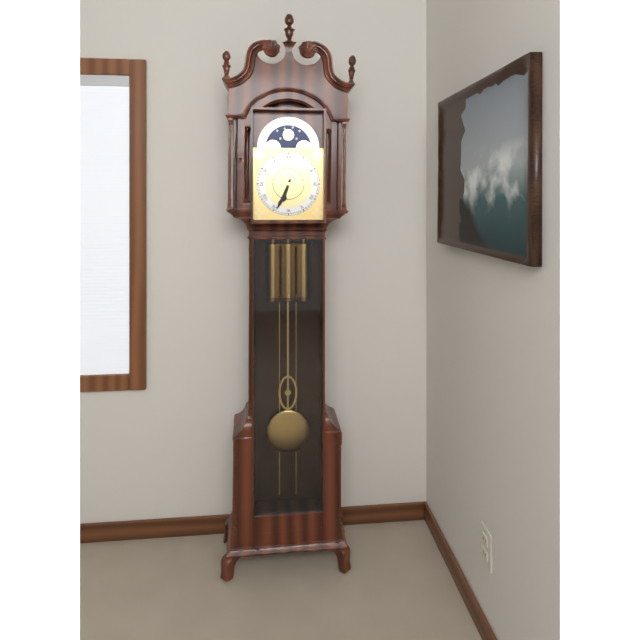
{"hour": 6, "minute": 34}
